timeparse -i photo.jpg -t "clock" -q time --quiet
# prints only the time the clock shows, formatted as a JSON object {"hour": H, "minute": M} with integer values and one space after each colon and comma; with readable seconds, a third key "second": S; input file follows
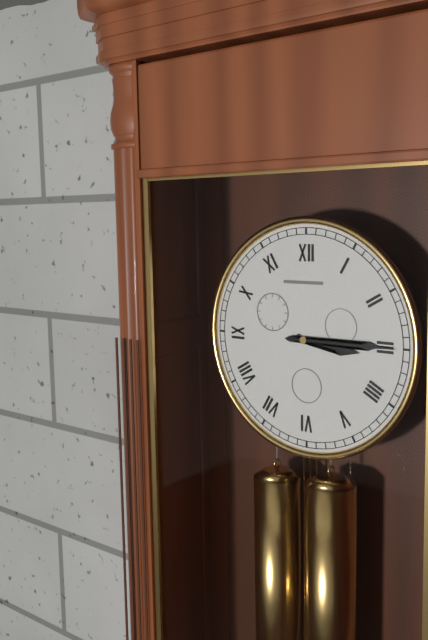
{"hour": 3, "minute": 15}
